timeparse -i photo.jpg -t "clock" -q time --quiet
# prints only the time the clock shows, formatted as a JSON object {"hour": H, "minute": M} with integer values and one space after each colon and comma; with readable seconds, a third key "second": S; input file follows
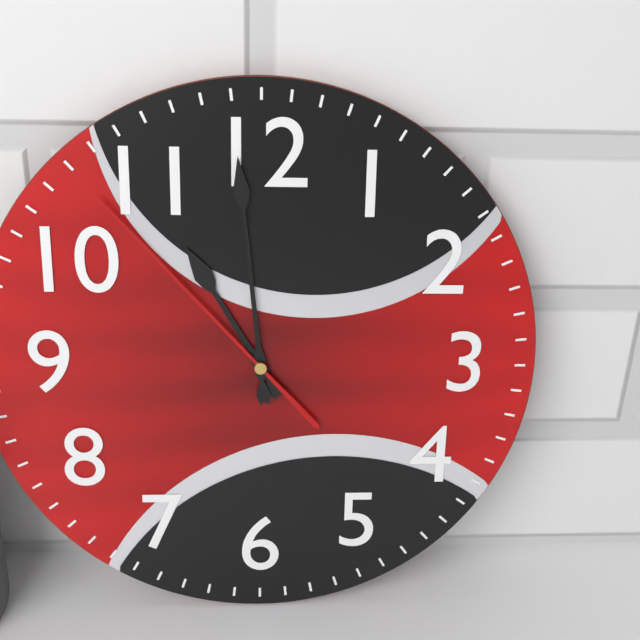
{"hour": 10, "minute": 59, "second": 53}
